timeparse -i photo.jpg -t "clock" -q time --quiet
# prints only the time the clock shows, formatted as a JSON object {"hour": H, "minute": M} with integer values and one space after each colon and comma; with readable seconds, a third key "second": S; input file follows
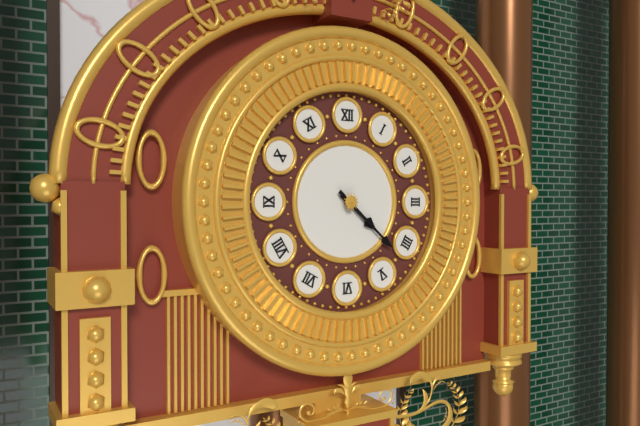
{"hour": 4, "minute": 22}
